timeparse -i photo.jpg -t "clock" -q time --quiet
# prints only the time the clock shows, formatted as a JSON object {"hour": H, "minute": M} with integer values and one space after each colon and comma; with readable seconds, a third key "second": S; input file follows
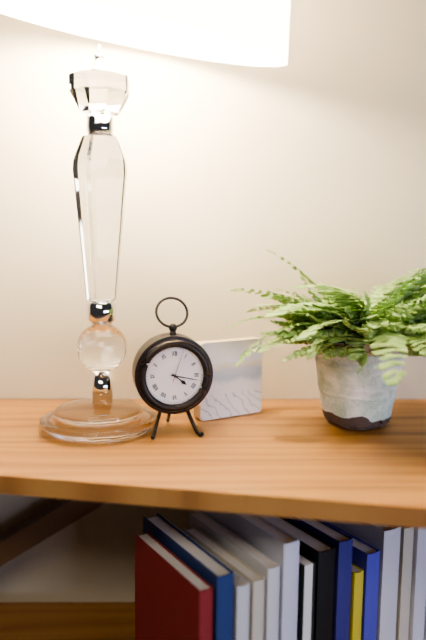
{"hour": 4, "minute": 17}
